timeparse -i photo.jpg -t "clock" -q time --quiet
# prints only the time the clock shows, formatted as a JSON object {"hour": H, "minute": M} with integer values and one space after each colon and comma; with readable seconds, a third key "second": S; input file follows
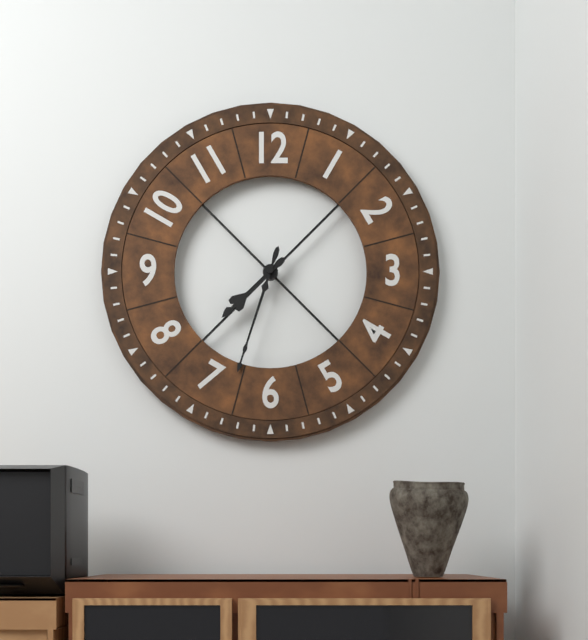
{"hour": 7, "minute": 33}
